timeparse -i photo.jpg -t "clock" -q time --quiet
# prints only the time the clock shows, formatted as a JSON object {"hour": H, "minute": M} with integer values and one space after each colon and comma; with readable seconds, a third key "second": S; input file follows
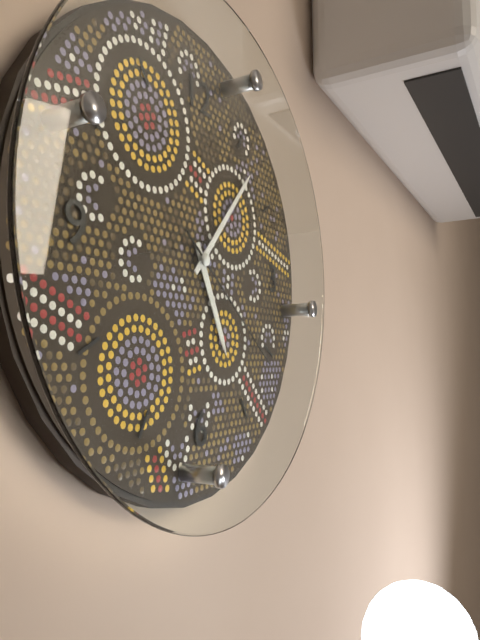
{"hour": 5, "minute": 7, "second": 21}
